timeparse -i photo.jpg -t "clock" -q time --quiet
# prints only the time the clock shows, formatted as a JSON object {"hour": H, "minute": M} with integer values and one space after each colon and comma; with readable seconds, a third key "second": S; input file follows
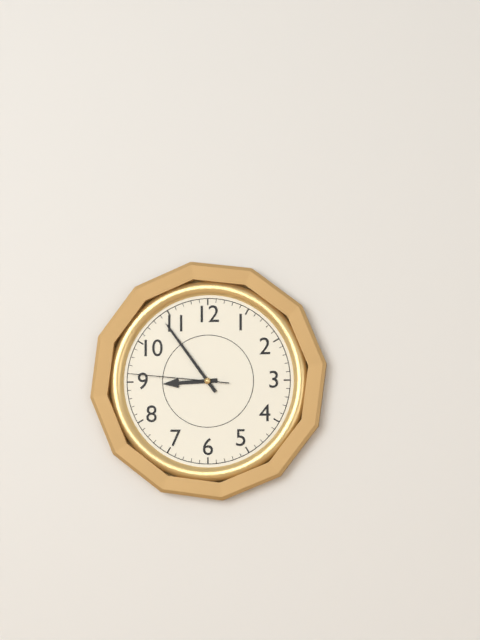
{"hour": 8, "minute": 54, "second": 46}
